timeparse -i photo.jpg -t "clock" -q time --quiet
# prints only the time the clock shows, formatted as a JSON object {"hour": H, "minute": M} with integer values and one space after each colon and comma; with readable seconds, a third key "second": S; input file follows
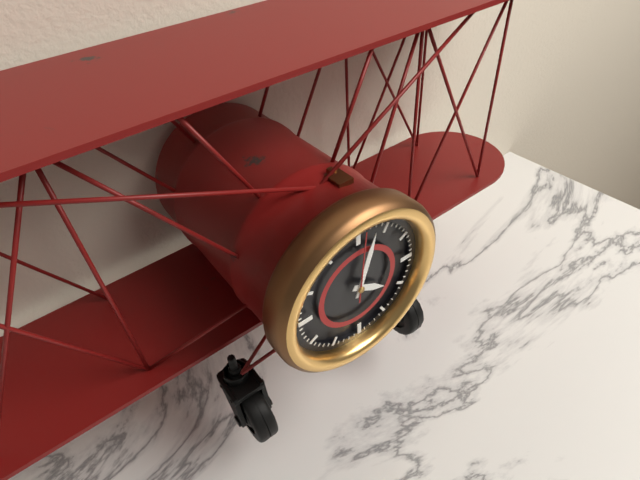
{"hour": 4, "minute": 3, "second": 1}
